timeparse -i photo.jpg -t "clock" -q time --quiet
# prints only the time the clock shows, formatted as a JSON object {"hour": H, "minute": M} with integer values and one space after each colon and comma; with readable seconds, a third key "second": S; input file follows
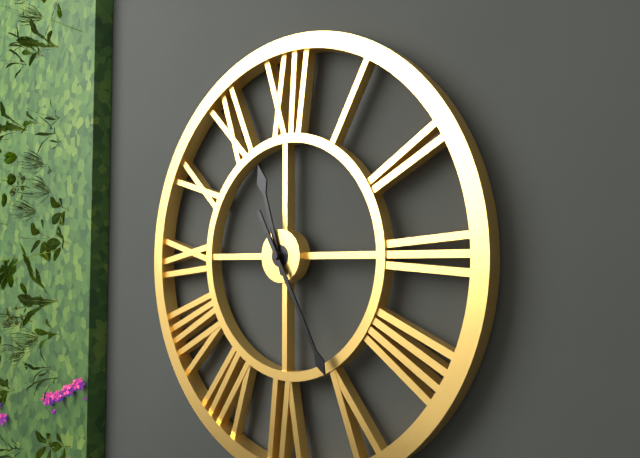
{"hour": 11, "minute": 25}
